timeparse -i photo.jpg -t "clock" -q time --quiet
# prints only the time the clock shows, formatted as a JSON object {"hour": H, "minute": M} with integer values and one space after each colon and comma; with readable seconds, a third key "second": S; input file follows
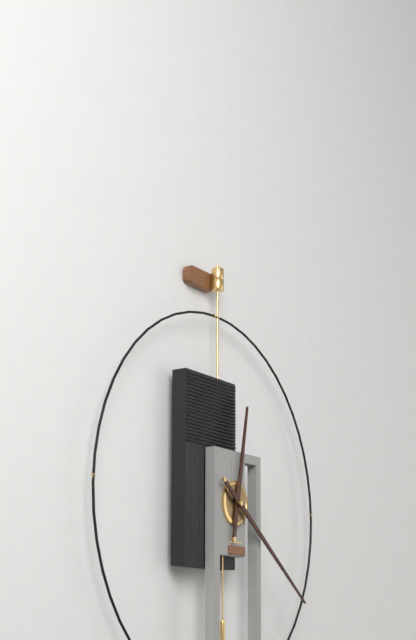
{"hour": 12, "minute": 21}
